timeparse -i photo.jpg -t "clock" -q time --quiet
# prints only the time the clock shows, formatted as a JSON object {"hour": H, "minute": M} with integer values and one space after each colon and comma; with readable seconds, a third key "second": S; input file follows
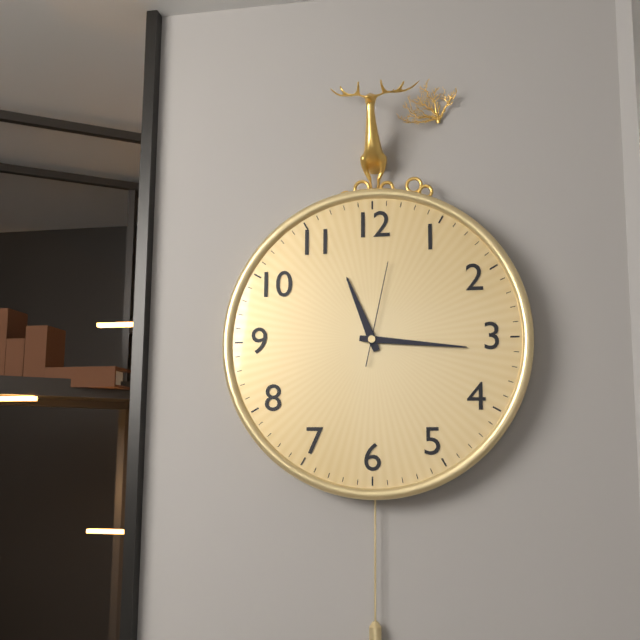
{"hour": 11, "minute": 16, "second": 2}
